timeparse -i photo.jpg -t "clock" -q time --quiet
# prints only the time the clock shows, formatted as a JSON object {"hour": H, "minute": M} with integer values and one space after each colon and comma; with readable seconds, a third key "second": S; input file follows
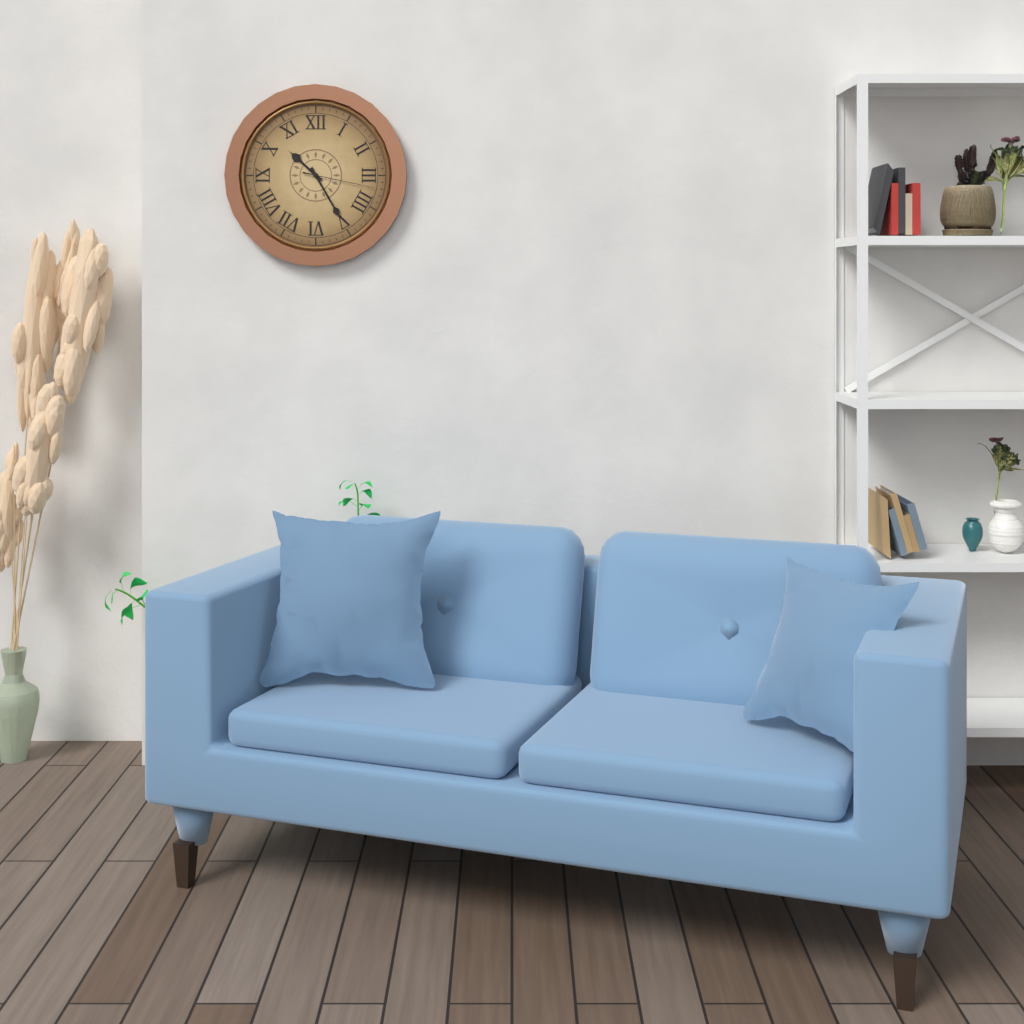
{"hour": 10, "minute": 25, "second": 17}
